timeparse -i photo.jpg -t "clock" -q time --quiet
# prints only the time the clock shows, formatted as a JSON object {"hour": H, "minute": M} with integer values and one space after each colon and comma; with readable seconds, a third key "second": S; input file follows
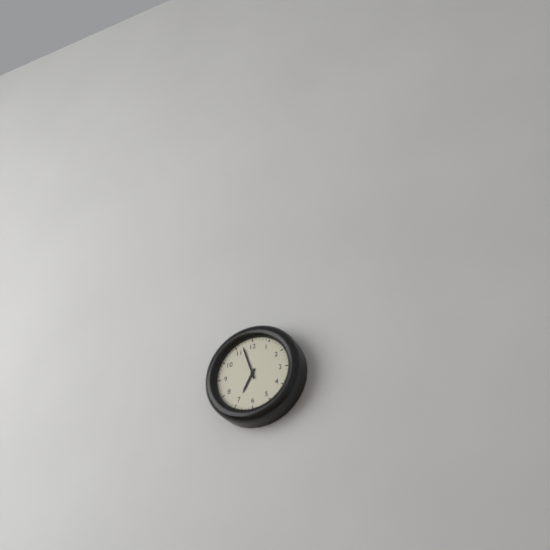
{"hour": 6, "minute": 57}
